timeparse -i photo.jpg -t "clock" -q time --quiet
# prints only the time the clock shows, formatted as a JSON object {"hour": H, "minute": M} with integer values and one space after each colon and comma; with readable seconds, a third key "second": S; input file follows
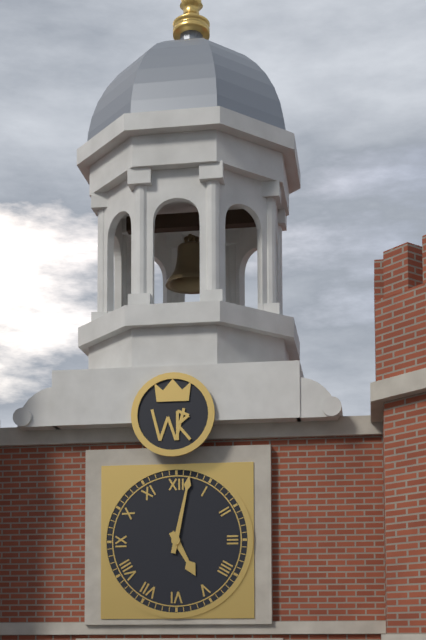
{"hour": 5, "minute": 2}
